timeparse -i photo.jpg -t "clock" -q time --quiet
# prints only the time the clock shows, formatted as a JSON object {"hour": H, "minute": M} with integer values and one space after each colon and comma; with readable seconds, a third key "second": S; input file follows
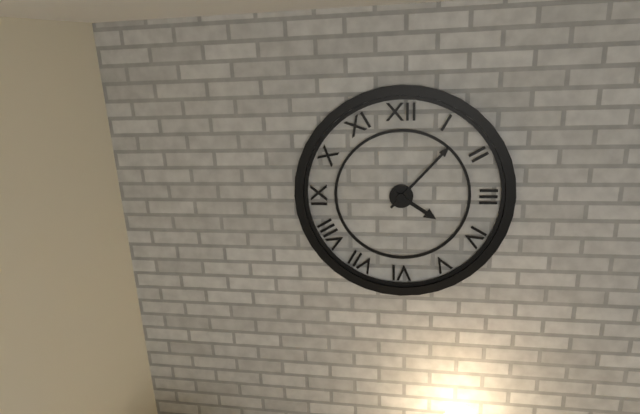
{"hour": 4, "minute": 7}
